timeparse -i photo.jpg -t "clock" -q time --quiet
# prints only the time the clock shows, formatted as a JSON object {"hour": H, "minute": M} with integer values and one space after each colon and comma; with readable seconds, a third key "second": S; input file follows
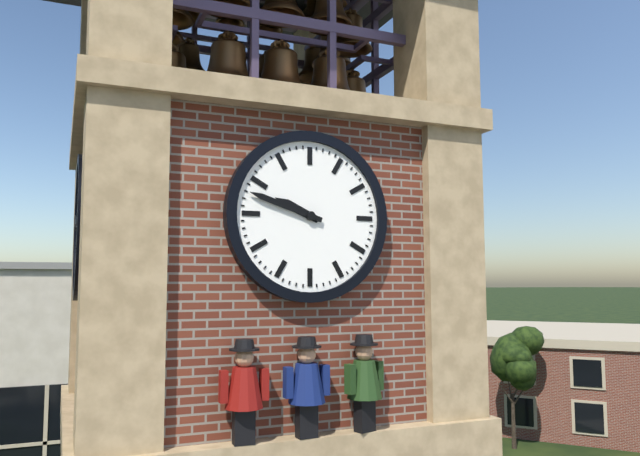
{"hour": 9, "minute": 48}
